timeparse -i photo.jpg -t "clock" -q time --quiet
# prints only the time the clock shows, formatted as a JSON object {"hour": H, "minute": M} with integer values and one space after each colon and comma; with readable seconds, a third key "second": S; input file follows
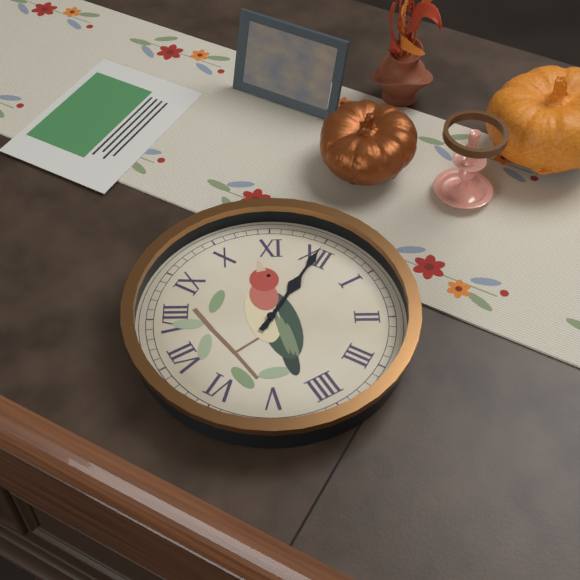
{"hour": 12, "minute": 0}
